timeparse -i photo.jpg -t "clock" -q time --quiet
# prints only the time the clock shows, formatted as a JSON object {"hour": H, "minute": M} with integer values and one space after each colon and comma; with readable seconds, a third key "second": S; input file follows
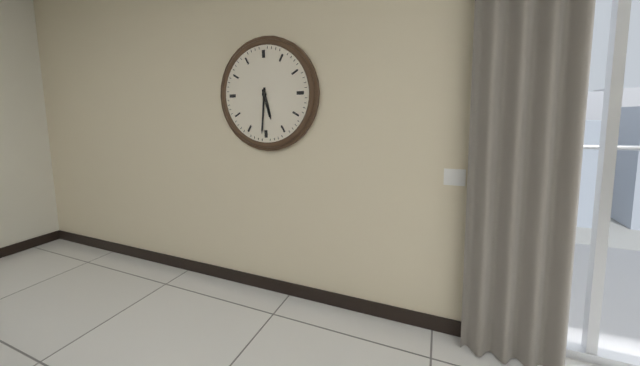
{"hour": 5, "minute": 31}
